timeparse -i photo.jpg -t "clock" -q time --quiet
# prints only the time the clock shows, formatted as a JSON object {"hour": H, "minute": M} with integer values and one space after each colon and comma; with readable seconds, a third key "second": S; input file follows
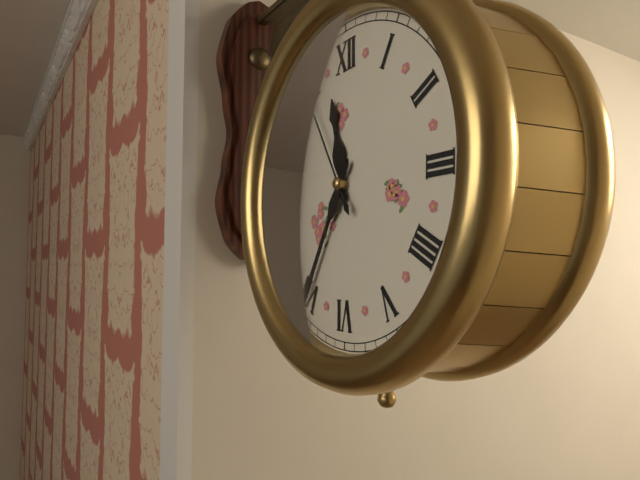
{"hour": 11, "minute": 35, "second": 55}
